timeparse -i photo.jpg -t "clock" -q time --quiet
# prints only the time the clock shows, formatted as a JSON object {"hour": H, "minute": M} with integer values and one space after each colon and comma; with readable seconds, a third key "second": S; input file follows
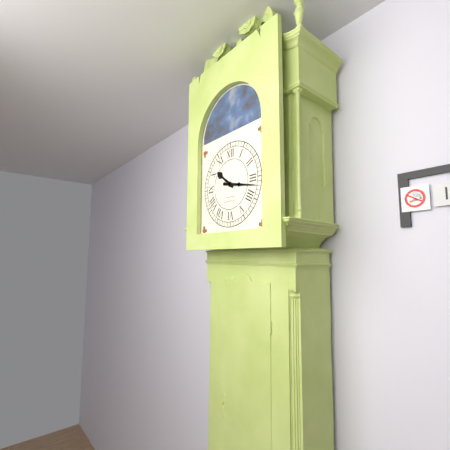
{"hour": 10, "minute": 17}
